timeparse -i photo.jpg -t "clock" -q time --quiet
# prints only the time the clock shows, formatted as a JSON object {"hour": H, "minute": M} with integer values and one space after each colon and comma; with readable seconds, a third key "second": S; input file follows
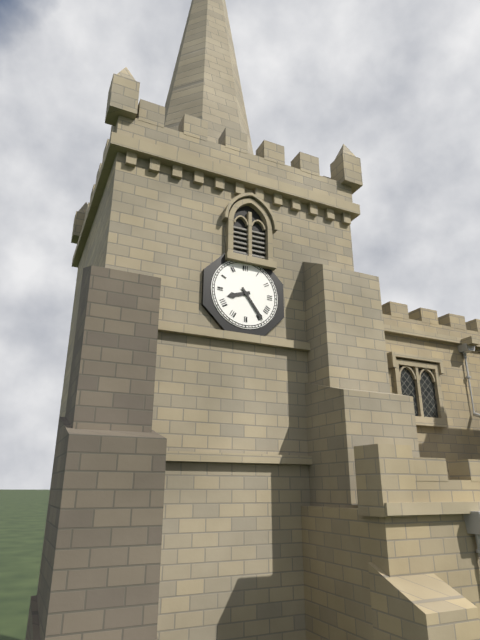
{"hour": 8, "minute": 24}
